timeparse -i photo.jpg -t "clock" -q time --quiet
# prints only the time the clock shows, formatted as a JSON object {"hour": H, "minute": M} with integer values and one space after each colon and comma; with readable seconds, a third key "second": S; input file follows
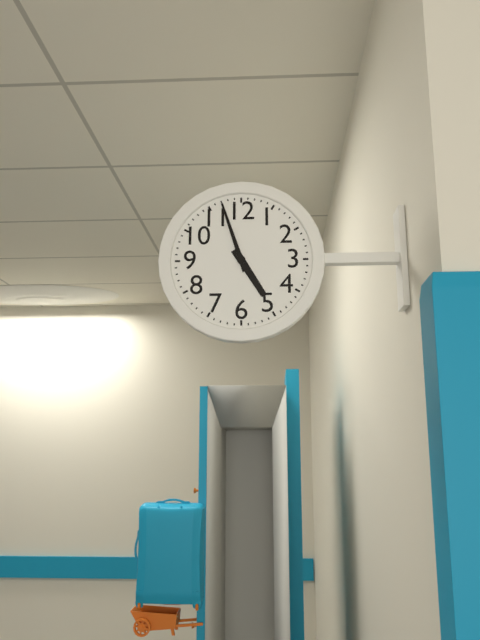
{"hour": 4, "minute": 57}
